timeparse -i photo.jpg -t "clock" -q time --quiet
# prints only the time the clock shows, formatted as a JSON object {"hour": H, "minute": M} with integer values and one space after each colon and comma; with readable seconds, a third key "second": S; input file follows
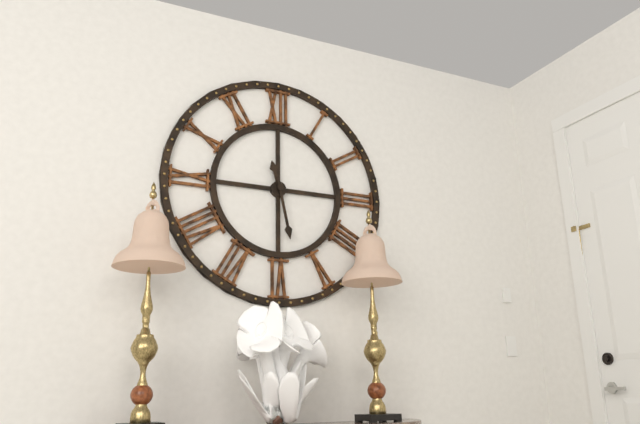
{"hour": 11, "minute": 28}
